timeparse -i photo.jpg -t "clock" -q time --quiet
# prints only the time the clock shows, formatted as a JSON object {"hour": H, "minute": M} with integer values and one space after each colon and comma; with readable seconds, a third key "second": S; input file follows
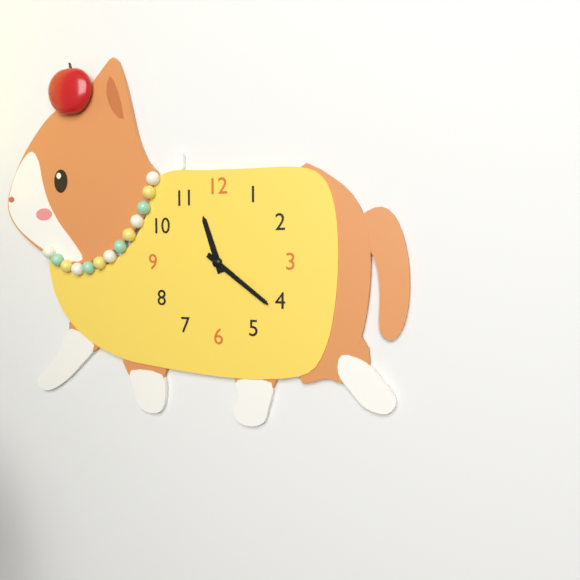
{"hour": 11, "minute": 21}
